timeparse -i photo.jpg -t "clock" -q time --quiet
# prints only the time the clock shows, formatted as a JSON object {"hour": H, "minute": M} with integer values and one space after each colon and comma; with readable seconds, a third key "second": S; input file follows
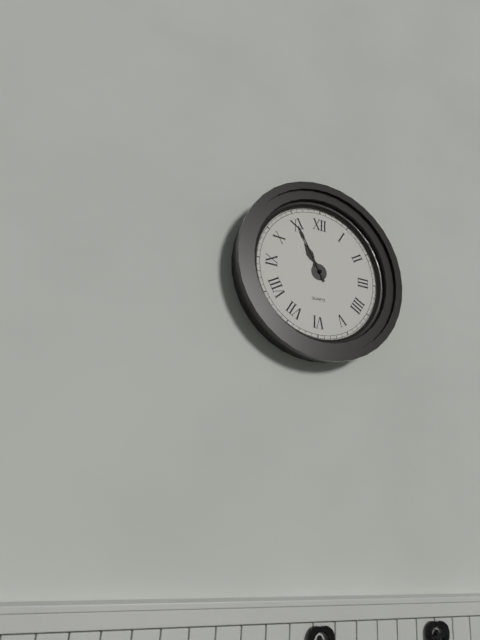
{"hour": 10, "minute": 55}
